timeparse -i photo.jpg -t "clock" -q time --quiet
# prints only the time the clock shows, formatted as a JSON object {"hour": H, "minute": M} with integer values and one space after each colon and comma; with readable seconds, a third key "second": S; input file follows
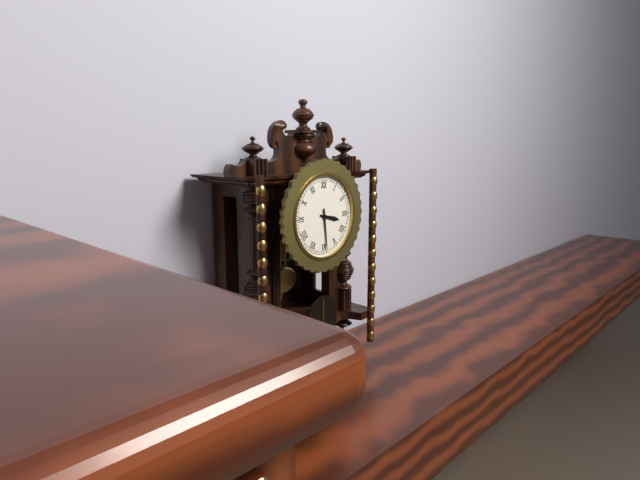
{"hour": 3, "minute": 29}
